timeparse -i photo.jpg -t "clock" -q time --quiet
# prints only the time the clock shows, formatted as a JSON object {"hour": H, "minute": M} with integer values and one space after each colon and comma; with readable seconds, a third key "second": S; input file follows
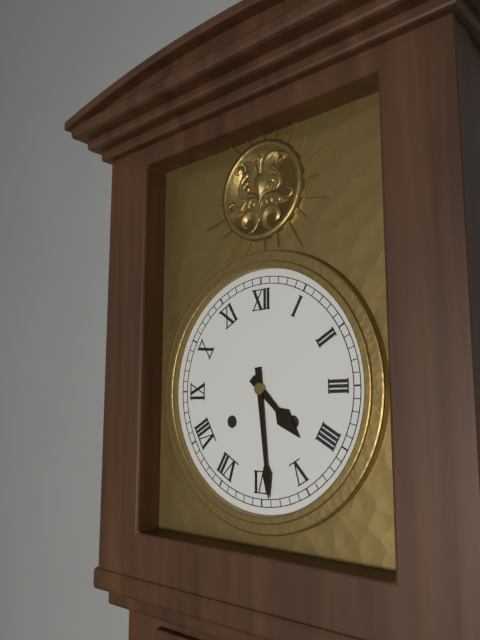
{"hour": 4, "minute": 29}
